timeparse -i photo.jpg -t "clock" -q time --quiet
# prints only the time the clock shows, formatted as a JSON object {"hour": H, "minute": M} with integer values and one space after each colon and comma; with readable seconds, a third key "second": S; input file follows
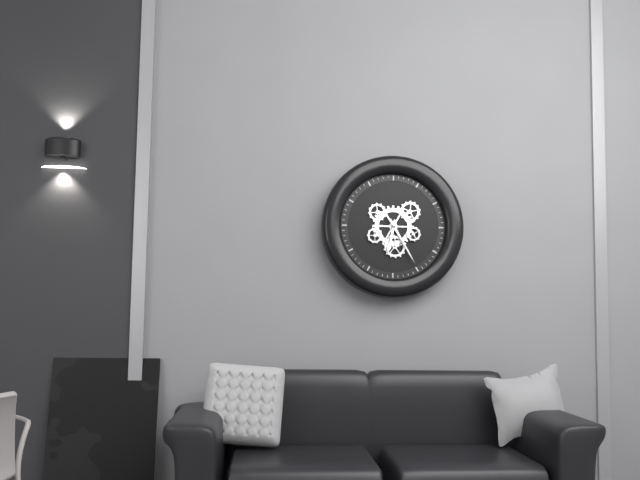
{"hour": 6, "minute": 25}
